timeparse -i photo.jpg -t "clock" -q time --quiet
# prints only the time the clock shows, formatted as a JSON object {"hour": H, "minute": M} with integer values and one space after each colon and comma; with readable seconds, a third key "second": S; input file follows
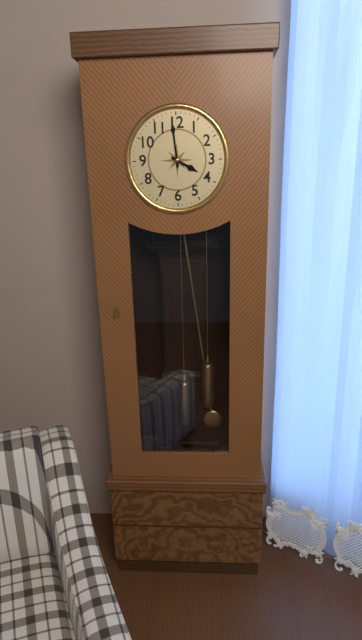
{"hour": 3, "minute": 59}
